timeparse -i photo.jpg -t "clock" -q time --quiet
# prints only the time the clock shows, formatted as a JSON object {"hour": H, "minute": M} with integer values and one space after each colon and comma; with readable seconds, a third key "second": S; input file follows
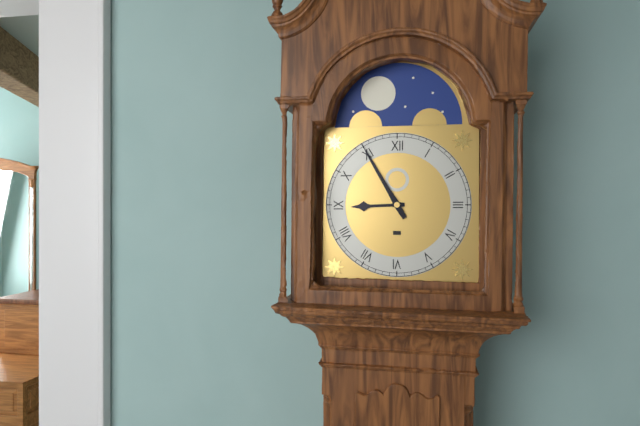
{"hour": 8, "minute": 55}
